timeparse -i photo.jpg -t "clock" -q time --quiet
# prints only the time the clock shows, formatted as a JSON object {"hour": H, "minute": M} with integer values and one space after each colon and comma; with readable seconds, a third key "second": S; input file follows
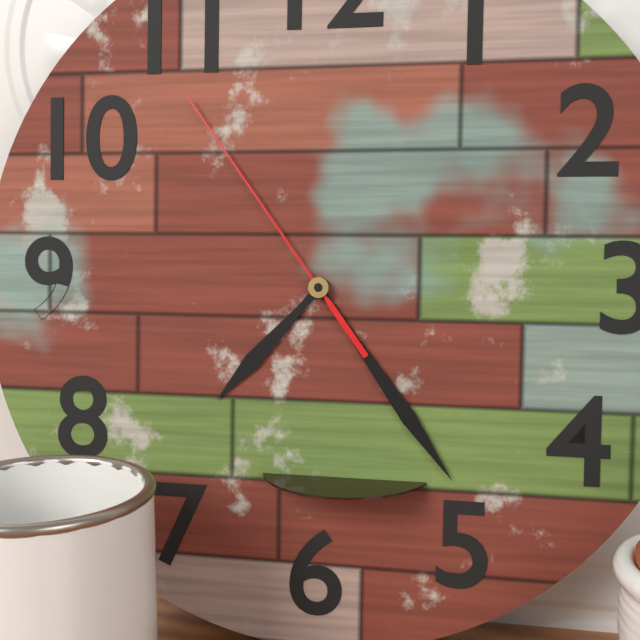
{"hour": 7, "minute": 24, "second": 54}
